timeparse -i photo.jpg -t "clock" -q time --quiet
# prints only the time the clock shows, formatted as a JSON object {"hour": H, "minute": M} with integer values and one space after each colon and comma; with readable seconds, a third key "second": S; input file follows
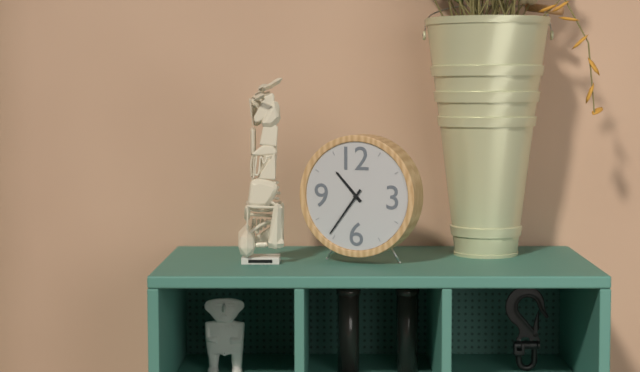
{"hour": 10, "minute": 36}
